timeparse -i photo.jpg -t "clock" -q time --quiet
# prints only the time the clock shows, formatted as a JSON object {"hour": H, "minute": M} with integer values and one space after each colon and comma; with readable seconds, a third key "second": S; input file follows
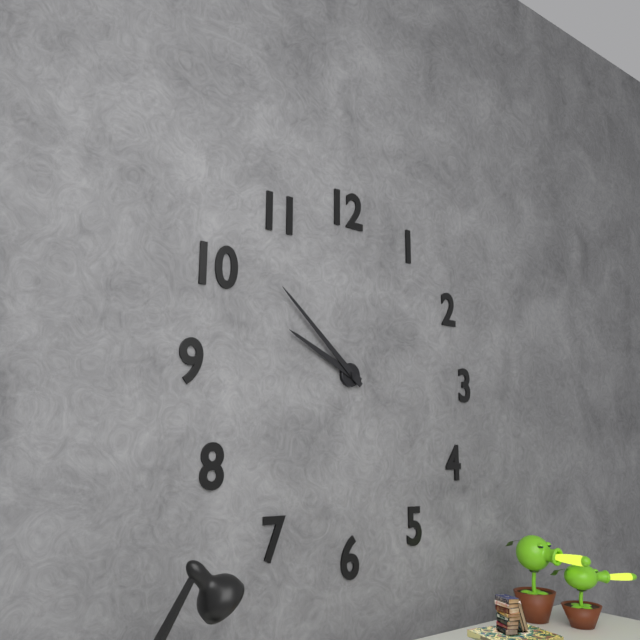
{"hour": 9, "minute": 52}
